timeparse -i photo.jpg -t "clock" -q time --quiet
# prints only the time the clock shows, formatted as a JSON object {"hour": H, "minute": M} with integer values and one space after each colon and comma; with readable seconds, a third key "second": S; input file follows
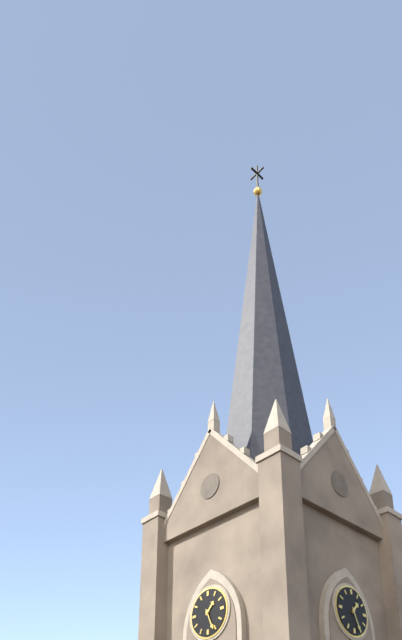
{"hour": 1, "minute": 26}
